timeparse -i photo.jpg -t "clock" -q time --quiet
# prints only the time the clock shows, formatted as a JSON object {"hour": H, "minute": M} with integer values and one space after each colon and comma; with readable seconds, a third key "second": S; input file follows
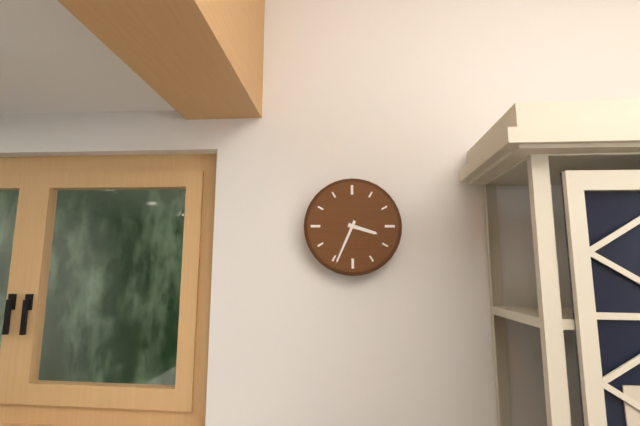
{"hour": 3, "minute": 34}
